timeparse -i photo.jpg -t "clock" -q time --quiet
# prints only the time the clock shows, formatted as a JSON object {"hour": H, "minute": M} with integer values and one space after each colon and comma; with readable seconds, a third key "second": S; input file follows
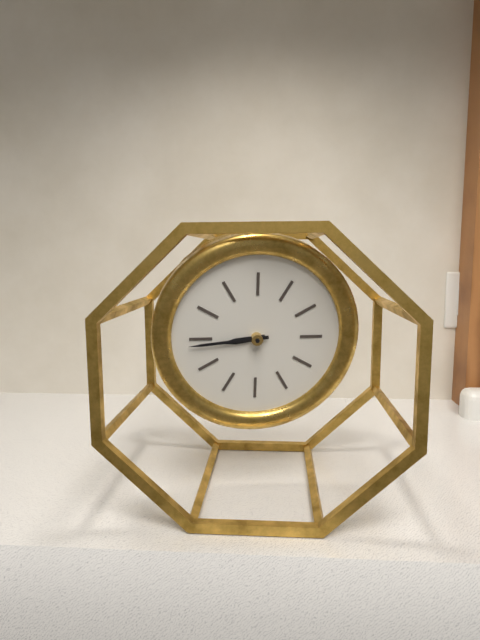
{"hour": 8, "minute": 44}
